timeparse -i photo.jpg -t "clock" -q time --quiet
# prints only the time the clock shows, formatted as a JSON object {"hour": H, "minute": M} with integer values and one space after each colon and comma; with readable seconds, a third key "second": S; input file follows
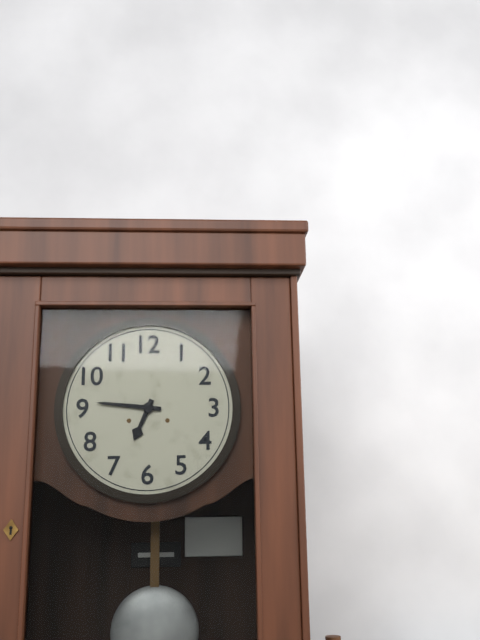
{"hour": 6, "minute": 46}
